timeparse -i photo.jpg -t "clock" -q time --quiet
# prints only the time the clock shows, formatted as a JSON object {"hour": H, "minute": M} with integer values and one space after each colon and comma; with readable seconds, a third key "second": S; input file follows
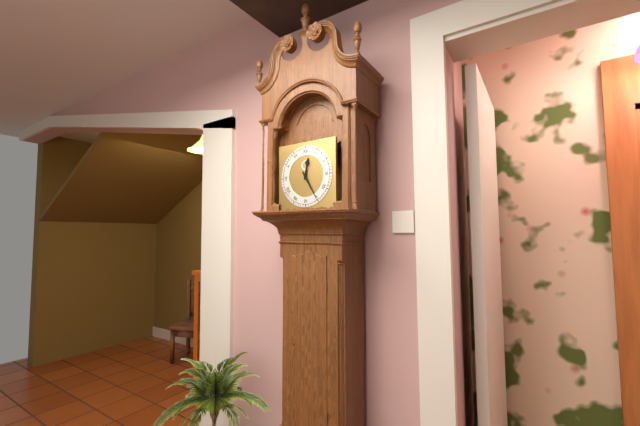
{"hour": 12, "minute": 25}
